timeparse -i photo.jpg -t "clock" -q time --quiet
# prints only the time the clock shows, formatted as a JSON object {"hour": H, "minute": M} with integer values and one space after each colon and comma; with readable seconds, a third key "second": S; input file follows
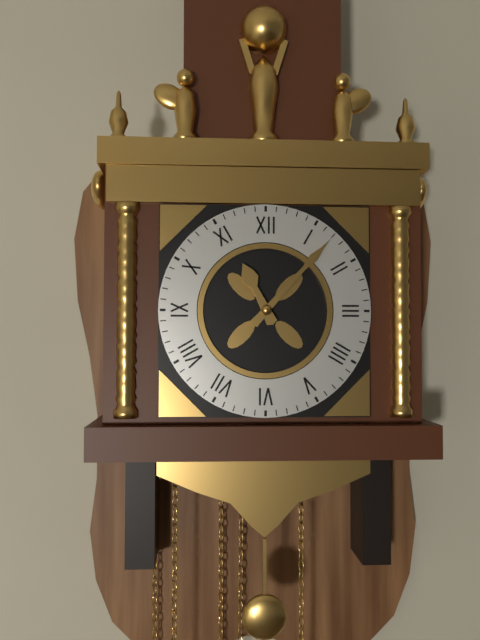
{"hour": 11, "minute": 7}
